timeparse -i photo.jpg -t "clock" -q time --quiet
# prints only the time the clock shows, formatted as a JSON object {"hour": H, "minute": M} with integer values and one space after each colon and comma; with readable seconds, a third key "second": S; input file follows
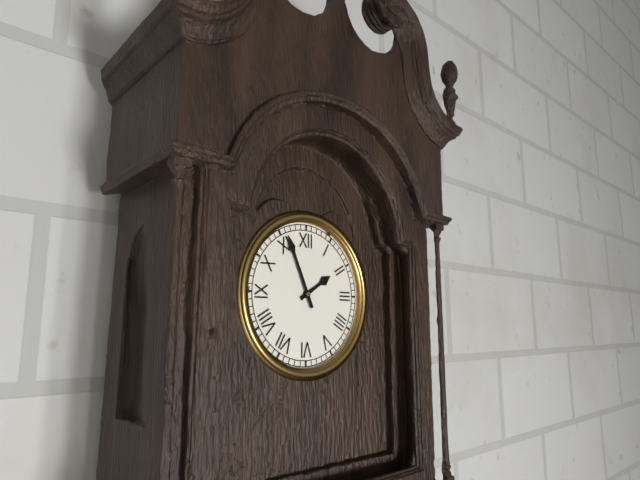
{"hour": 1, "minute": 56}
